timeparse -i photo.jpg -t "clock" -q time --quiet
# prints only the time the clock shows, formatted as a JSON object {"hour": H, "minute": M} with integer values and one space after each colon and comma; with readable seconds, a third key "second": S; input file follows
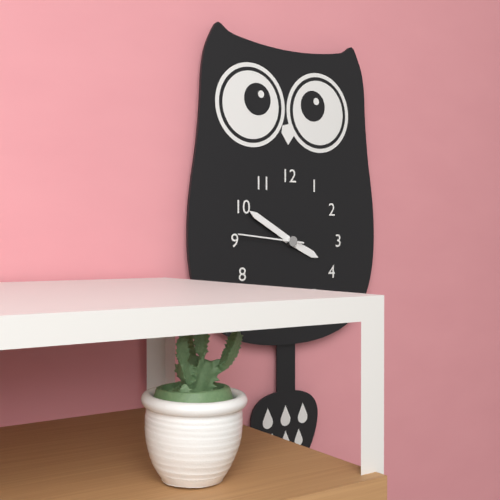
{"hour": 3, "minute": 50, "second": 46}
